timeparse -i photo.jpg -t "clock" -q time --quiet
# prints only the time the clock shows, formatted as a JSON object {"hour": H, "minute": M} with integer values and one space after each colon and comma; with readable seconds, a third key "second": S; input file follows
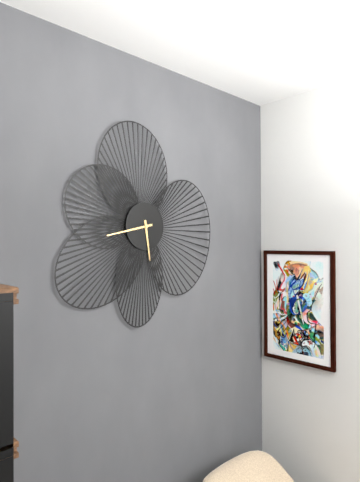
{"hour": 5, "minute": 43}
